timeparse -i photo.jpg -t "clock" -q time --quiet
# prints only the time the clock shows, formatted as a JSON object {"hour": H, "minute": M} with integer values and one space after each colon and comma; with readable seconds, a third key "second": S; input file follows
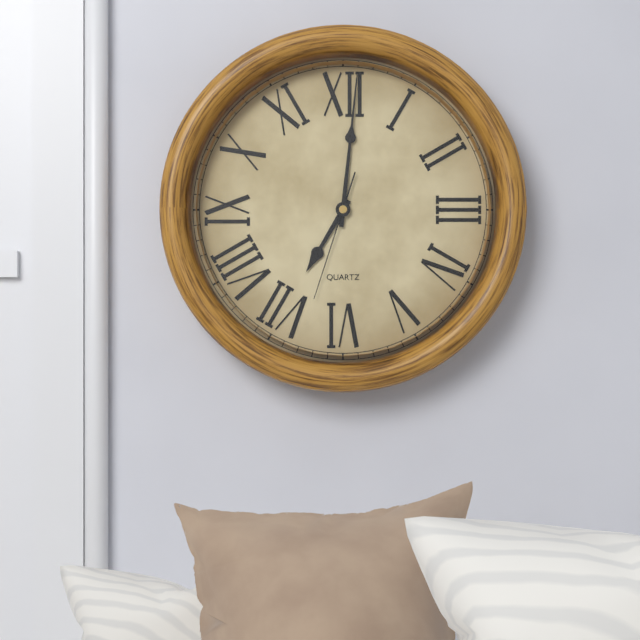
{"hour": 7, "minute": 1, "second": 33}
